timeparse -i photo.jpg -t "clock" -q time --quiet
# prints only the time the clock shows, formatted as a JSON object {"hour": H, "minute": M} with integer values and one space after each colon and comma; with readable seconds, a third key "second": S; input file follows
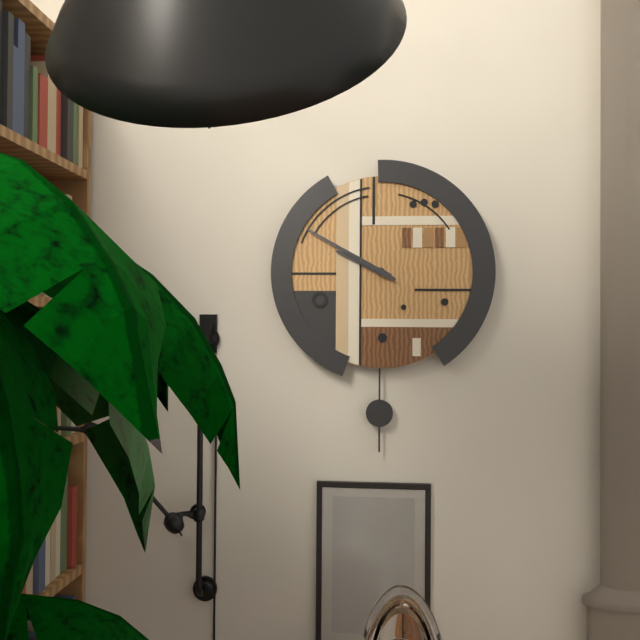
{"hour": 9, "minute": 50}
